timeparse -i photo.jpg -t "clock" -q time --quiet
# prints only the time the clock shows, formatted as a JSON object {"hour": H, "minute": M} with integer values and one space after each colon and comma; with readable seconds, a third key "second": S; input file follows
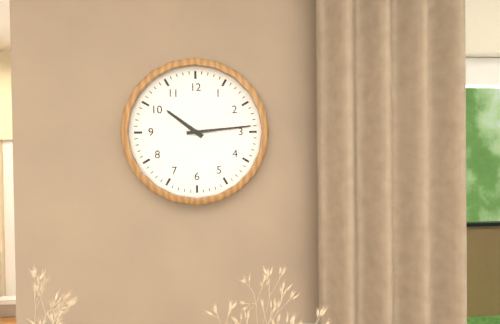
{"hour": 10, "minute": 14}
